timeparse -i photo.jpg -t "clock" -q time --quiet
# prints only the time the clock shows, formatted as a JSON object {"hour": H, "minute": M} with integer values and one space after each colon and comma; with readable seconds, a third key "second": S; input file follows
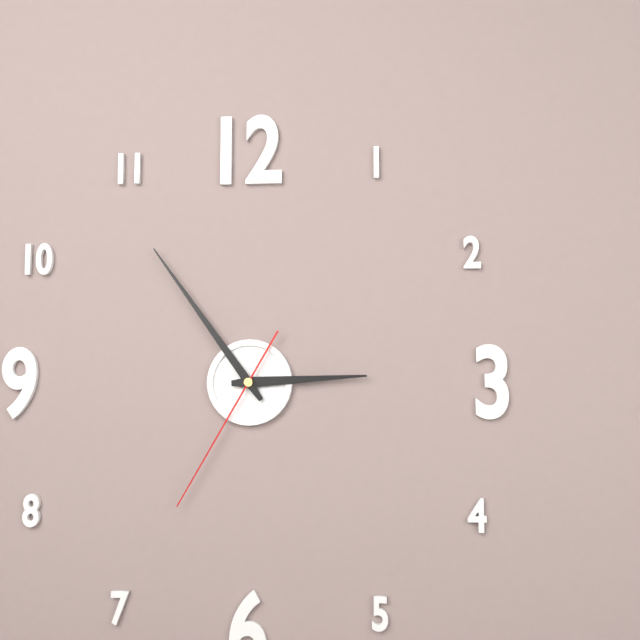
{"hour": 2, "minute": 54, "second": 35}
